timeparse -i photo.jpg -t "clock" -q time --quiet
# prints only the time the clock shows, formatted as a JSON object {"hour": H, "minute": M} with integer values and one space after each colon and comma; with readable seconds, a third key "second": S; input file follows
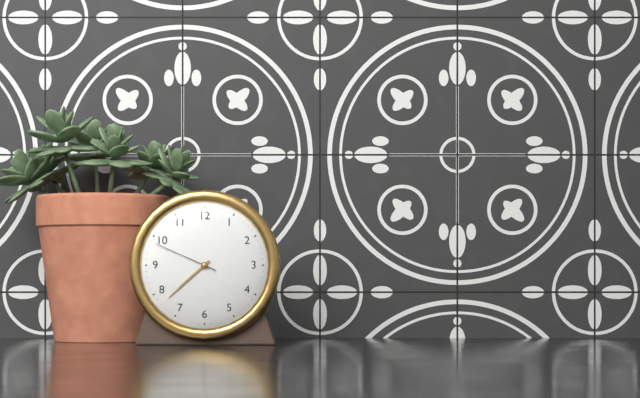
{"hour": 7, "minute": 38, "second": 49}
